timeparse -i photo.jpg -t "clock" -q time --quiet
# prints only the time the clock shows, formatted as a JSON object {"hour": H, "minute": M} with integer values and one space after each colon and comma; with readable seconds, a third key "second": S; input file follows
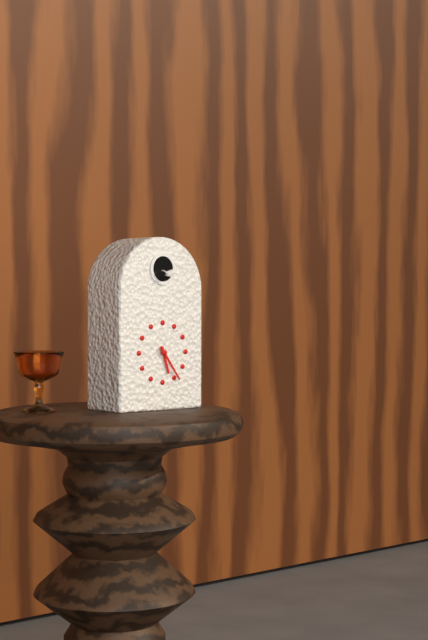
{"hour": 5, "minute": 24}
